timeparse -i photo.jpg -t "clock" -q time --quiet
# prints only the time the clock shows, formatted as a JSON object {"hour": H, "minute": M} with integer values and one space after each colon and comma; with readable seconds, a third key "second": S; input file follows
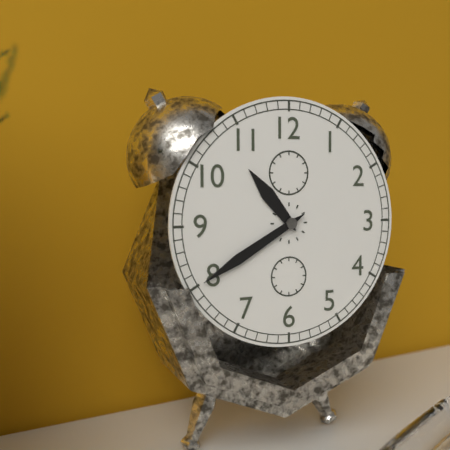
{"hour": 10, "minute": 40}
